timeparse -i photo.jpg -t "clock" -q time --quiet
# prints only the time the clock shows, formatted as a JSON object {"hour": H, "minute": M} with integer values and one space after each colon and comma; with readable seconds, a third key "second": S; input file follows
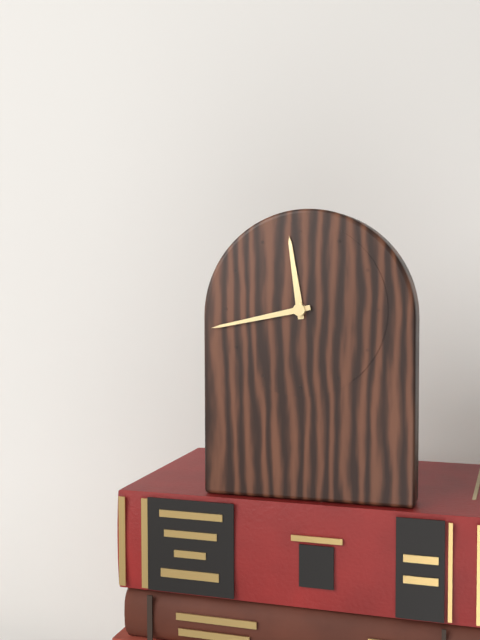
{"hour": 11, "minute": 43}
